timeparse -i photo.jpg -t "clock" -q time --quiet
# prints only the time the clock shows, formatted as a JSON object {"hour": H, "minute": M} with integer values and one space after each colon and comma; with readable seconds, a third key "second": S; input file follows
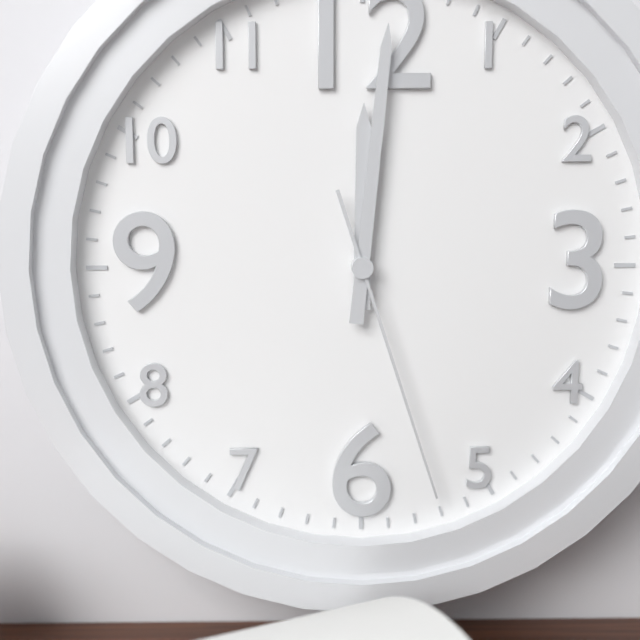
{"hour": 12, "minute": 1, "second": 27}
